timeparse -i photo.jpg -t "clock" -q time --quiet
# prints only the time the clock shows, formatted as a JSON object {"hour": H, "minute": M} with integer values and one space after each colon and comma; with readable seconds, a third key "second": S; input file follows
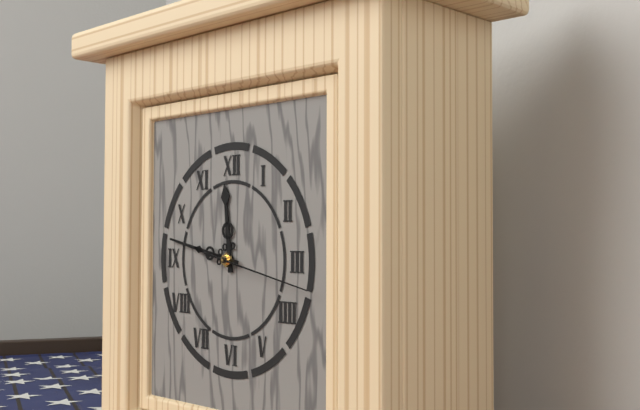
{"hour": 11, "minute": 47, "second": 17}
